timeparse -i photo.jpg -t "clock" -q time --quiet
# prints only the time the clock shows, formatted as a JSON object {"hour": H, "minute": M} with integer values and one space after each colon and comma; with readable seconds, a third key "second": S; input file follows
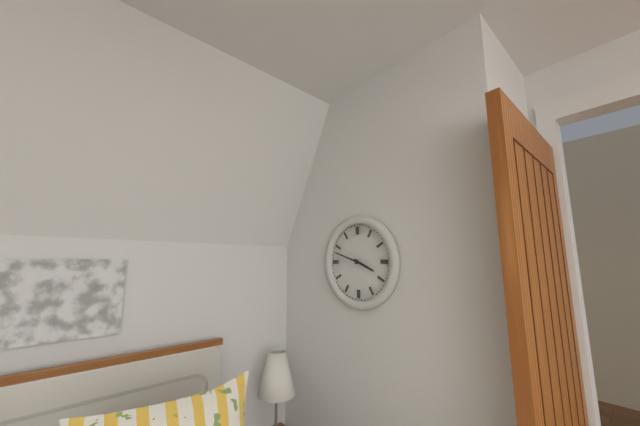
{"hour": 3, "minute": 48}
